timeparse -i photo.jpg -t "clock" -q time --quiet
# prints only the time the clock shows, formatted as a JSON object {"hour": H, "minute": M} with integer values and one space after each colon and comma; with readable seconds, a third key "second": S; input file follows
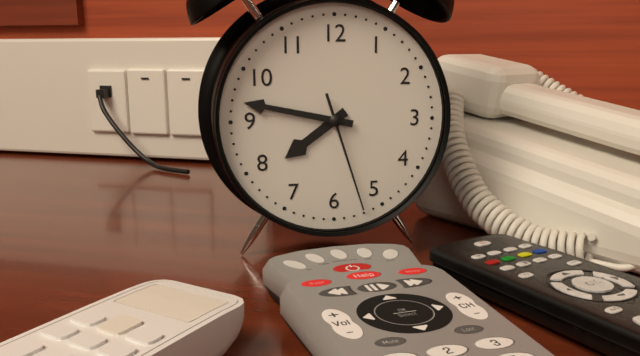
{"hour": 7, "minute": 47, "second": 27}
